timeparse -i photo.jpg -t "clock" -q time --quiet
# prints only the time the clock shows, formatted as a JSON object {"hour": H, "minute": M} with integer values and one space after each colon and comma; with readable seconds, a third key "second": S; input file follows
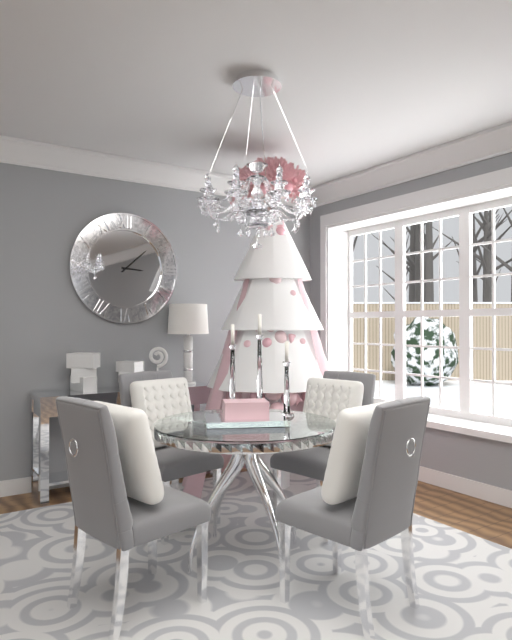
{"hour": 3, "minute": 8}
